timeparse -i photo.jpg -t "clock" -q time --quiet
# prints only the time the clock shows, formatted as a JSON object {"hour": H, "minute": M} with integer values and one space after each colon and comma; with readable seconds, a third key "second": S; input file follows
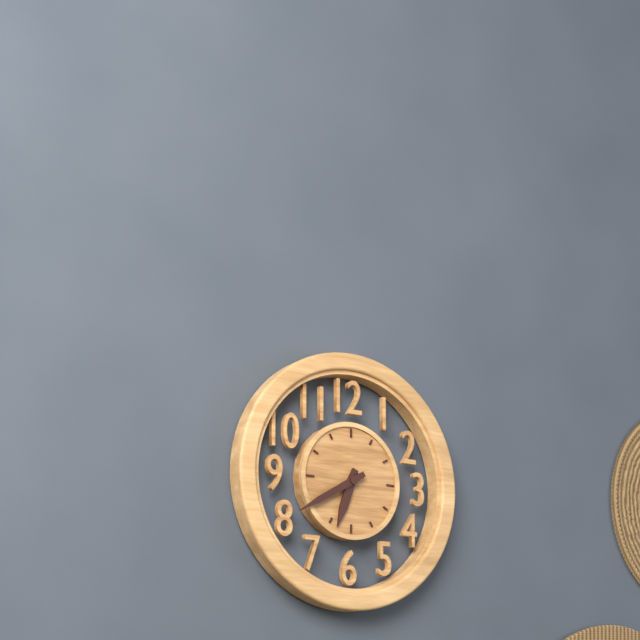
{"hour": 6, "minute": 40}
